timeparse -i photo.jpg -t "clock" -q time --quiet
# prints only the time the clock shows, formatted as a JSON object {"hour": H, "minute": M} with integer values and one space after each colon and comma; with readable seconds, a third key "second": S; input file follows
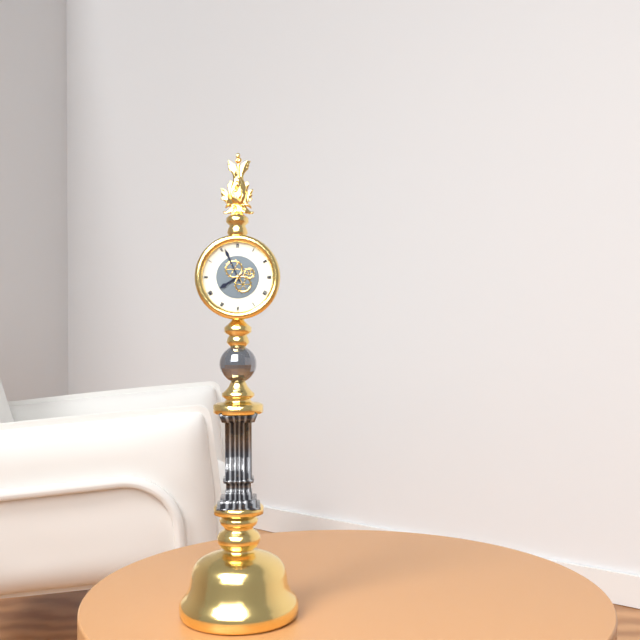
{"hour": 7, "minute": 56}
